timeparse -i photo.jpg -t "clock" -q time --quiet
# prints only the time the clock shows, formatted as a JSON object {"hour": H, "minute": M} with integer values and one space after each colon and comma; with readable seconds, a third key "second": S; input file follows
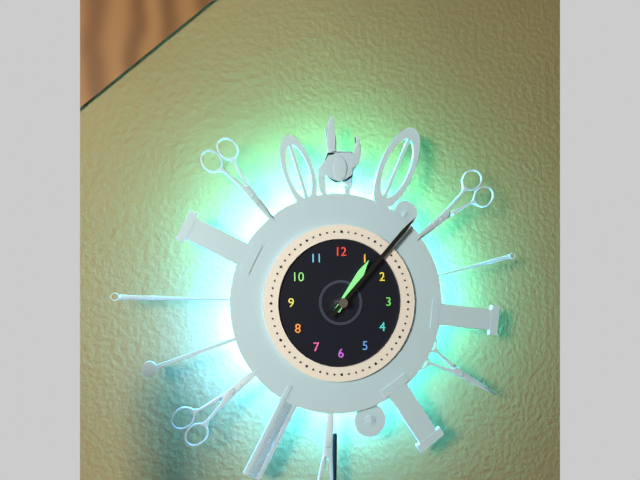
{"hour": 1, "minute": 7}
